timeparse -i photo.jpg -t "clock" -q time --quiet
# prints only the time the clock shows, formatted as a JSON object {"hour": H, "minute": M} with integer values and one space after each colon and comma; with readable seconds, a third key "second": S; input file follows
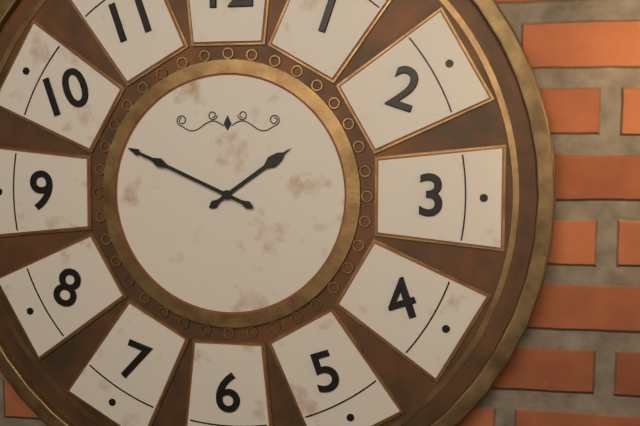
{"hour": 1, "minute": 49}
